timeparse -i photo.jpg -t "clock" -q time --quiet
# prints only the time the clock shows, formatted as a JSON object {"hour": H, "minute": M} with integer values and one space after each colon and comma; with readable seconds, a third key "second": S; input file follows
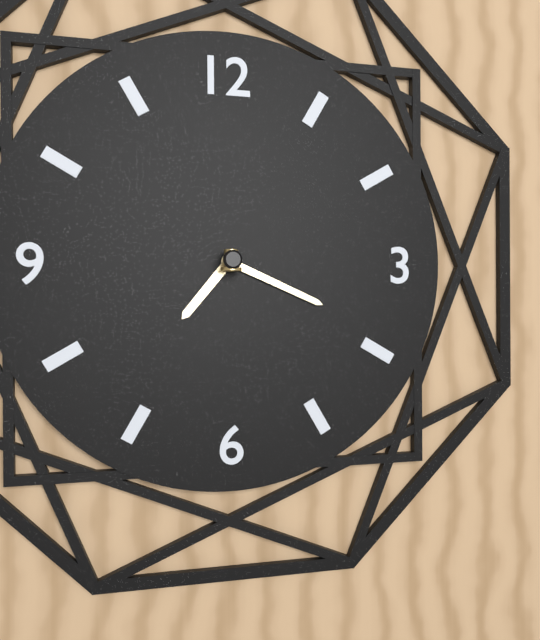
{"hour": 7, "minute": 19}
